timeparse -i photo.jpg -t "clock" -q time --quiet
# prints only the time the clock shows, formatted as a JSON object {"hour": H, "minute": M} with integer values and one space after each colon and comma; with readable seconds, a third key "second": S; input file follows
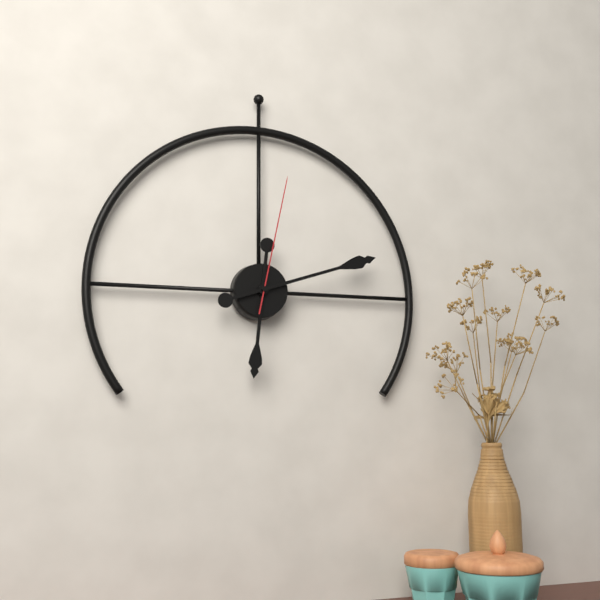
{"hour": 6, "minute": 12, "second": 2}
